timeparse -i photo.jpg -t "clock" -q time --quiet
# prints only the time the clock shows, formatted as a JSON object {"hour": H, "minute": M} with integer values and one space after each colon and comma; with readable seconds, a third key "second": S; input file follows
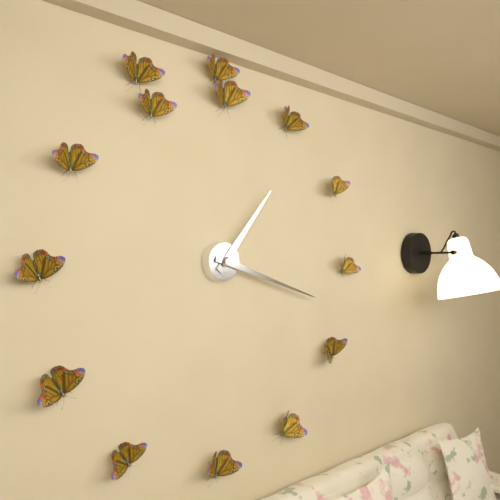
{"hour": 1, "minute": 18}
